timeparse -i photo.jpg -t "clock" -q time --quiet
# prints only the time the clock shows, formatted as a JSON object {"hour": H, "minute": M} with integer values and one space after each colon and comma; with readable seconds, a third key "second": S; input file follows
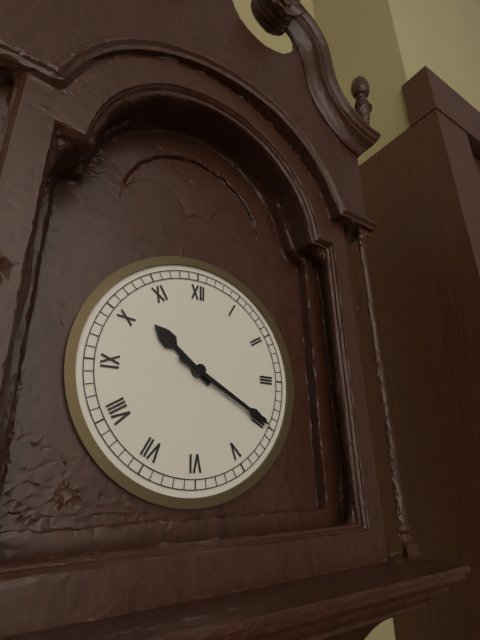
{"hour": 10, "minute": 20}
